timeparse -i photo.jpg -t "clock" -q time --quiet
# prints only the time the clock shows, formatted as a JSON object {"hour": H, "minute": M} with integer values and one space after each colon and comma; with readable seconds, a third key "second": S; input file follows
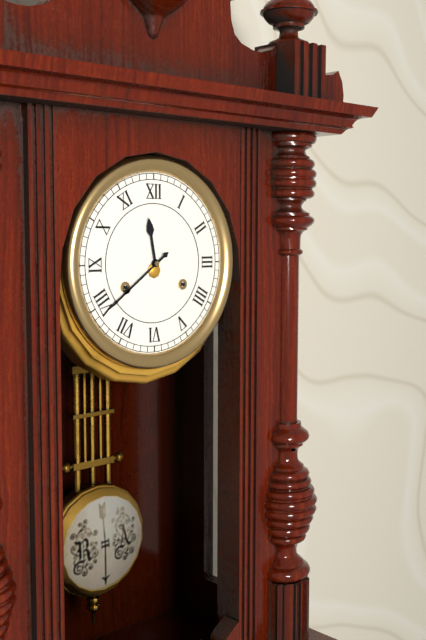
{"hour": 11, "minute": 39}
